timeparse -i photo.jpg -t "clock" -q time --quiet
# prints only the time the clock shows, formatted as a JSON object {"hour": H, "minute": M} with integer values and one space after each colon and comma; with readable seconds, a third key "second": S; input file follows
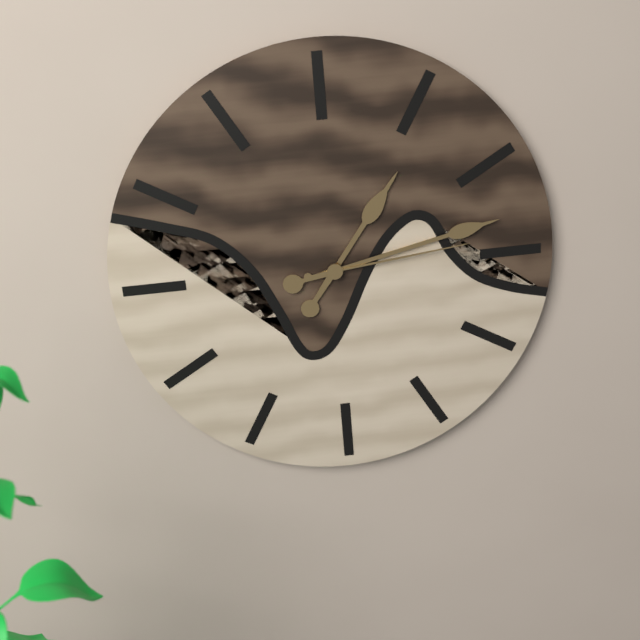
{"hour": 1, "minute": 13, "second": 14}
